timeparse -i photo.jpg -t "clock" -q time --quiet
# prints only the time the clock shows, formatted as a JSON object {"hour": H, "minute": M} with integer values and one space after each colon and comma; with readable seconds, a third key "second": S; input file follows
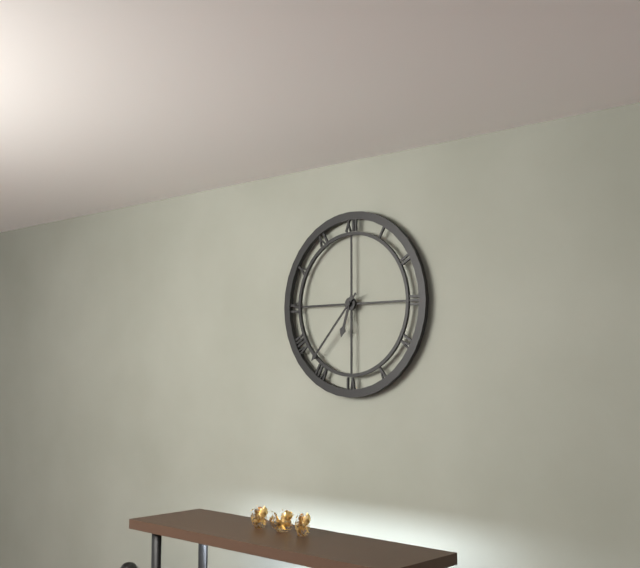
{"hour": 6, "minute": 37}
